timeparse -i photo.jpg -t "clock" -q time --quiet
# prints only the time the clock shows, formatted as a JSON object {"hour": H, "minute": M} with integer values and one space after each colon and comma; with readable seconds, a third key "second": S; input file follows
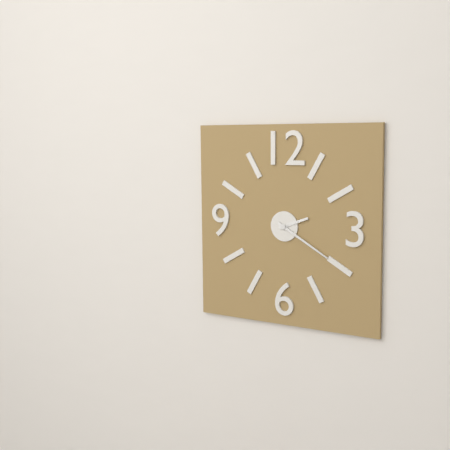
{"hour": 2, "minute": 20}
